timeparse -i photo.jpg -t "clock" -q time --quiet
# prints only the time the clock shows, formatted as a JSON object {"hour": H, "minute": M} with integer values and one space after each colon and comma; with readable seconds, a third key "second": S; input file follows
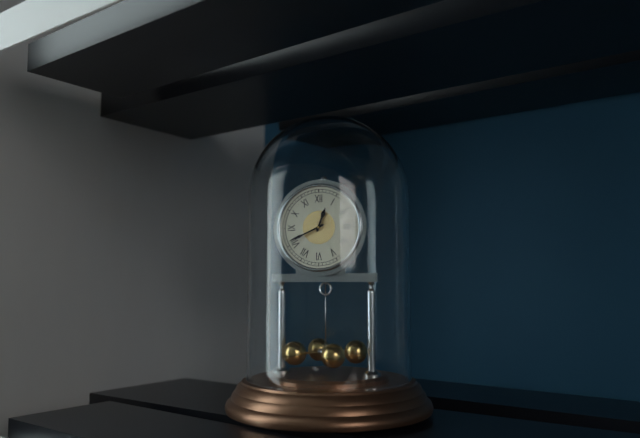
{"hour": 12, "minute": 41}
